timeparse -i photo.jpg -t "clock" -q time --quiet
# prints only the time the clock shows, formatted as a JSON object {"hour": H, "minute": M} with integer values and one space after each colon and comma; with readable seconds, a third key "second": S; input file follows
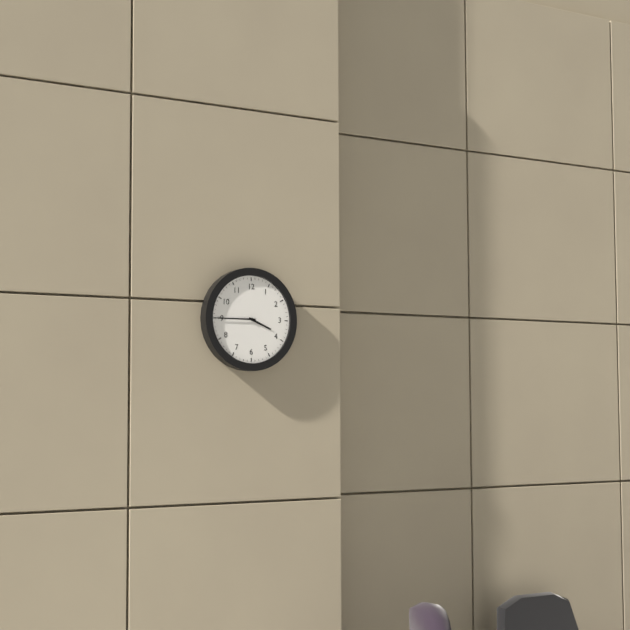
{"hour": 3, "minute": 45}
